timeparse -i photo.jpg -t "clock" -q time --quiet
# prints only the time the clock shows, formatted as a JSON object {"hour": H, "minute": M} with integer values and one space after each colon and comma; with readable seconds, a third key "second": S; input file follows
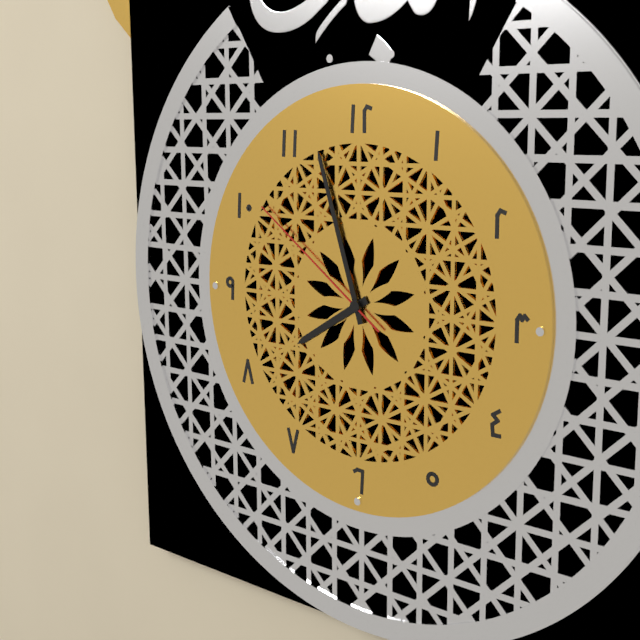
{"hour": 7, "minute": 57, "second": 51}
